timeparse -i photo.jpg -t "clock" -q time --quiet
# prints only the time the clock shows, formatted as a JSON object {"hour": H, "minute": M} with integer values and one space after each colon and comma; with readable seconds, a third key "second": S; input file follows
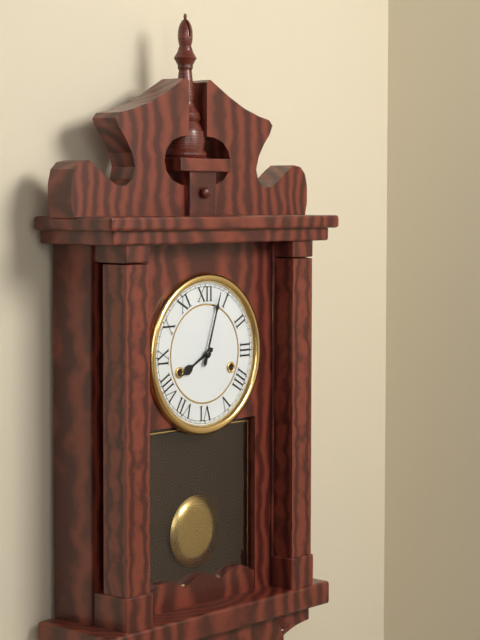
{"hour": 8, "minute": 3}
